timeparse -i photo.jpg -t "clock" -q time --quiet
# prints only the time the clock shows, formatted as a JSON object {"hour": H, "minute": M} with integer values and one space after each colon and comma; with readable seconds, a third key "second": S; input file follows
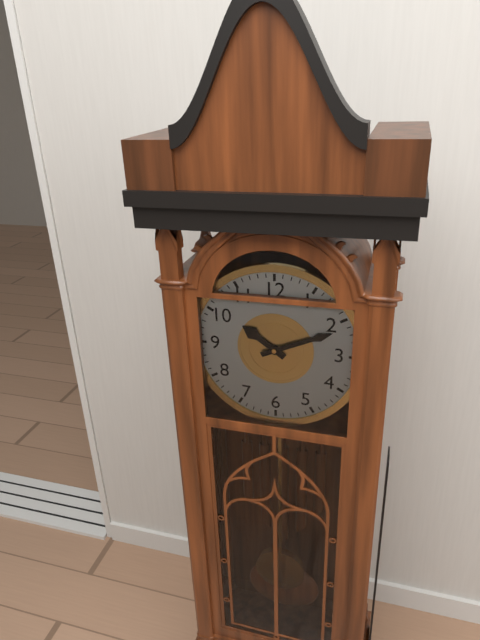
{"hour": 10, "minute": 11}
